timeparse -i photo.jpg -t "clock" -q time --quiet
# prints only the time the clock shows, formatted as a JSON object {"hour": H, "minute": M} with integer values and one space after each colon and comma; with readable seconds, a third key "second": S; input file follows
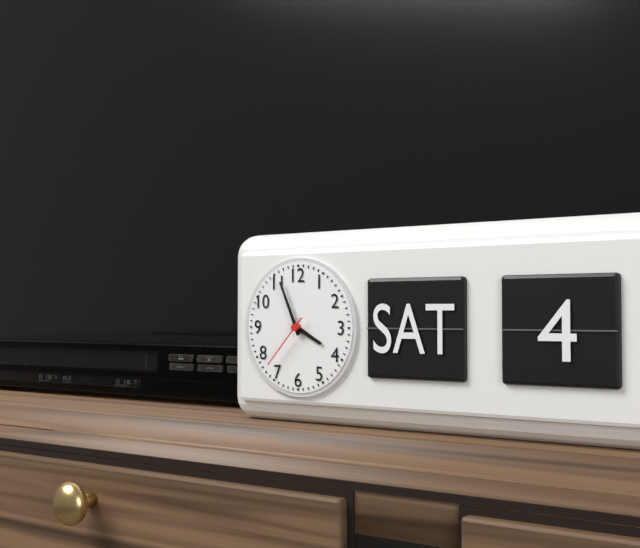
{"hour": 3, "minute": 56, "second": 37}
